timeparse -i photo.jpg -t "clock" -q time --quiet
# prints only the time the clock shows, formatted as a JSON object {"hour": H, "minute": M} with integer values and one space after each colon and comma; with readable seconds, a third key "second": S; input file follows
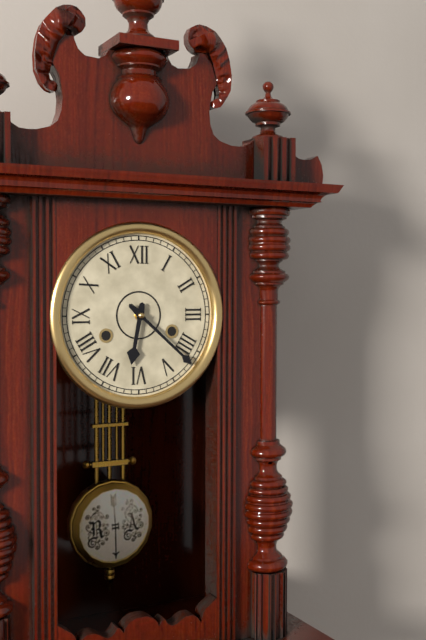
{"hour": 6, "minute": 22}
